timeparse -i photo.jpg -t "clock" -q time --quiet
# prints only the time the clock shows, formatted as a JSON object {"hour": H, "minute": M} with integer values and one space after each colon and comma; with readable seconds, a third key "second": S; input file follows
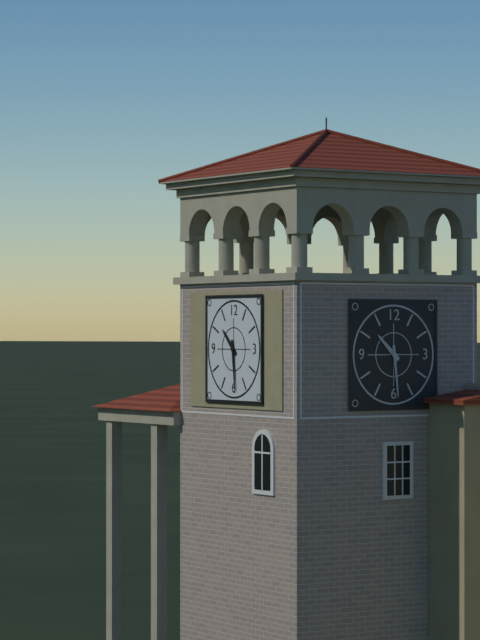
{"hour": 10, "minute": 29}
